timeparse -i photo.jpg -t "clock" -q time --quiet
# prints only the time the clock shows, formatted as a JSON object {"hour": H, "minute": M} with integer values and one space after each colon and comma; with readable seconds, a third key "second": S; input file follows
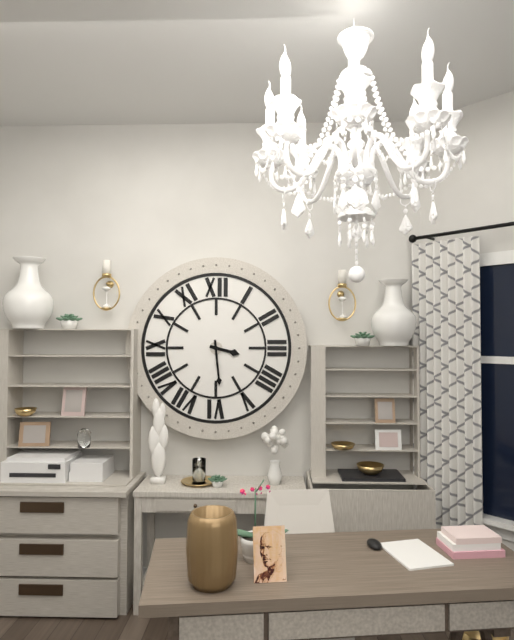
{"hour": 3, "minute": 29}
